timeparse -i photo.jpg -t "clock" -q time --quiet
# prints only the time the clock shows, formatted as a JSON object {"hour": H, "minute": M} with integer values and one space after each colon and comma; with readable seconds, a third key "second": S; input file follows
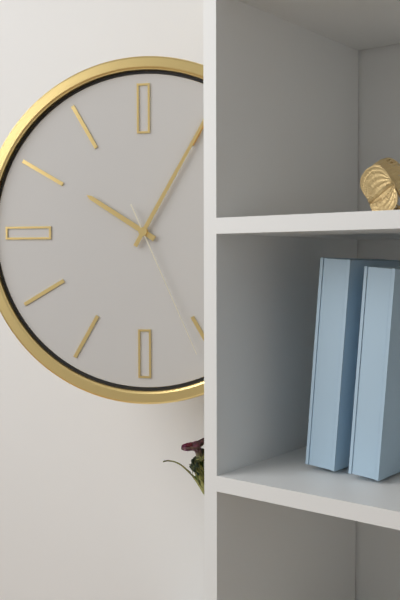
{"hour": 10, "minute": 5, "second": 26}
